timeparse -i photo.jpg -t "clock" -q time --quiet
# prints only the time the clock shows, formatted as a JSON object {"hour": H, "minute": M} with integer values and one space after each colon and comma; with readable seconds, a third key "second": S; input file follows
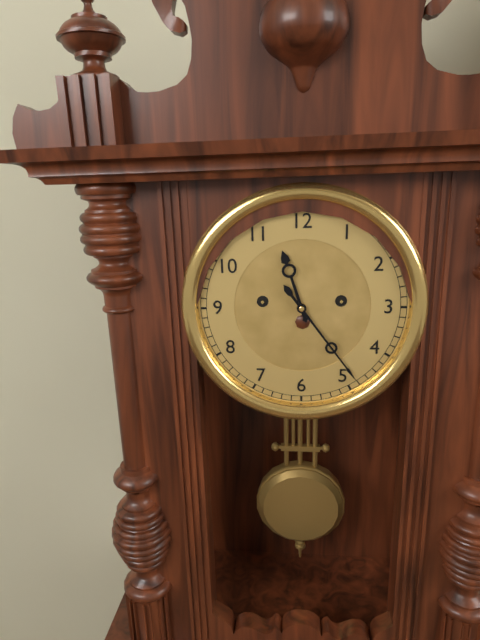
{"hour": 11, "minute": 24}
